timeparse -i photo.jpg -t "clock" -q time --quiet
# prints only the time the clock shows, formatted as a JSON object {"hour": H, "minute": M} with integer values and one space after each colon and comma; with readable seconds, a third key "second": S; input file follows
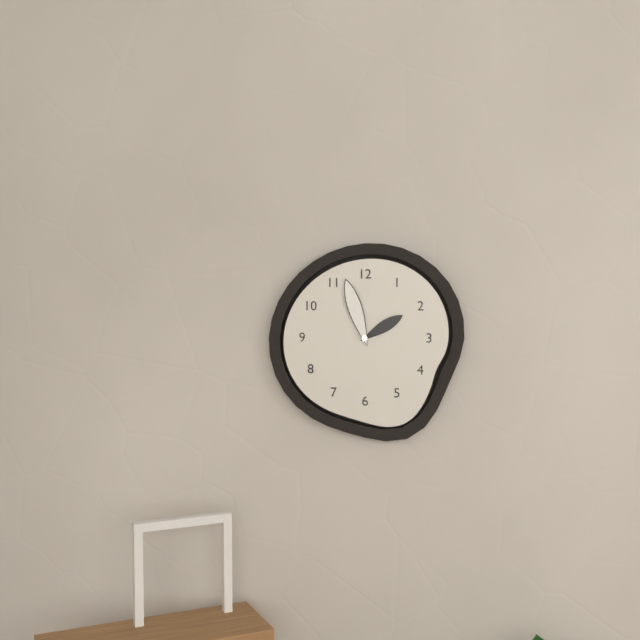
{"hour": 1, "minute": 57}
